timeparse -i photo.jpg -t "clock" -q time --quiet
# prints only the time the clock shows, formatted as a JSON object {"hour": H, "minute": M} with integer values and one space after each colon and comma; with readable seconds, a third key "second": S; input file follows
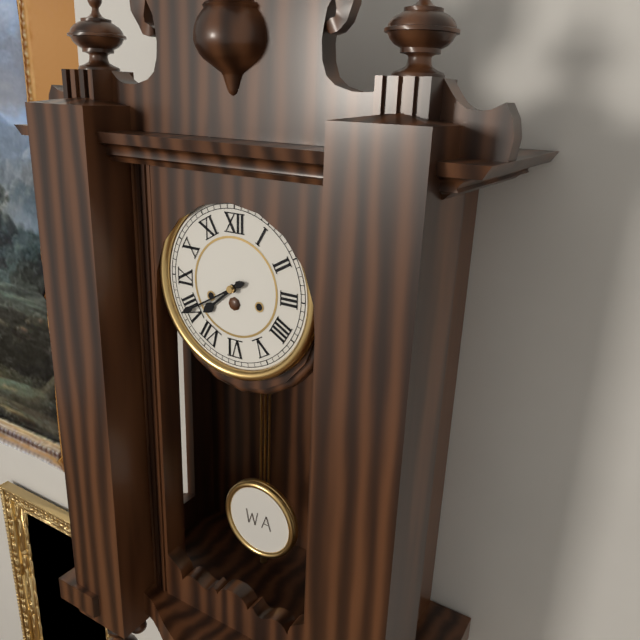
{"hour": 7, "minute": 40}
